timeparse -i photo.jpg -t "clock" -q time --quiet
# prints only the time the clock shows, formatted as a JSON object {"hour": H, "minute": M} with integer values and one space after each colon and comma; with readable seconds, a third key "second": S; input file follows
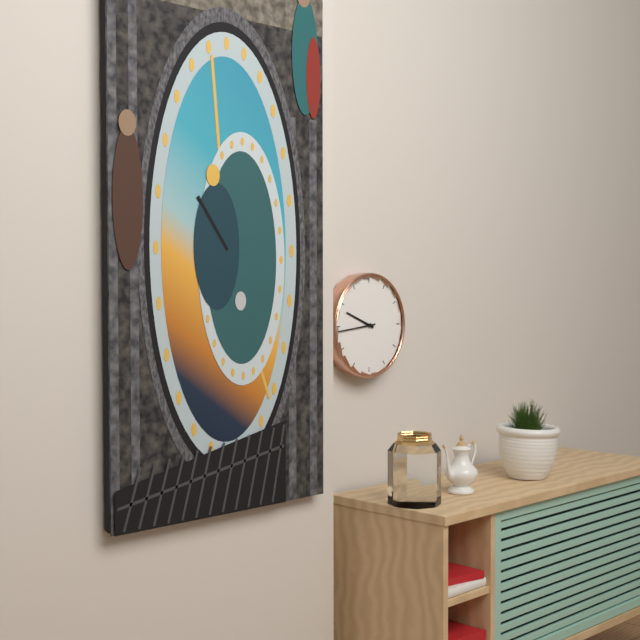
{"hour": 9, "minute": 44}
